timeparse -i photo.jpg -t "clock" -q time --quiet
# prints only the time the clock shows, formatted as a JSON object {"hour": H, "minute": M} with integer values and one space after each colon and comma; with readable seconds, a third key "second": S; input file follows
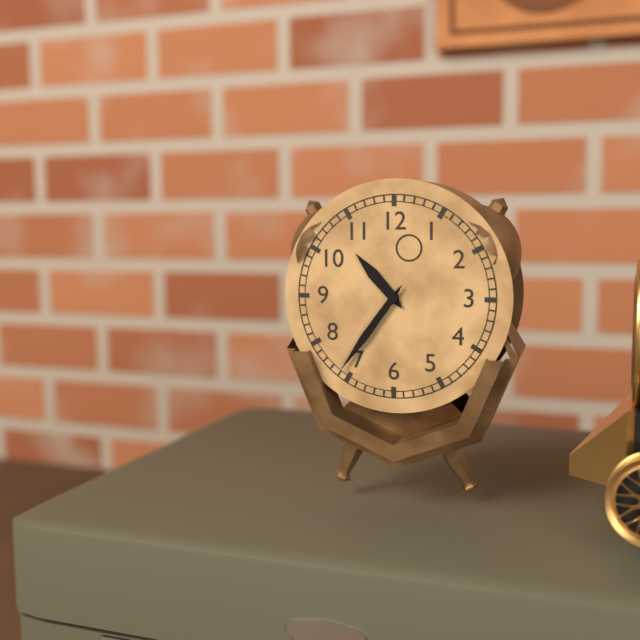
{"hour": 10, "minute": 36}
